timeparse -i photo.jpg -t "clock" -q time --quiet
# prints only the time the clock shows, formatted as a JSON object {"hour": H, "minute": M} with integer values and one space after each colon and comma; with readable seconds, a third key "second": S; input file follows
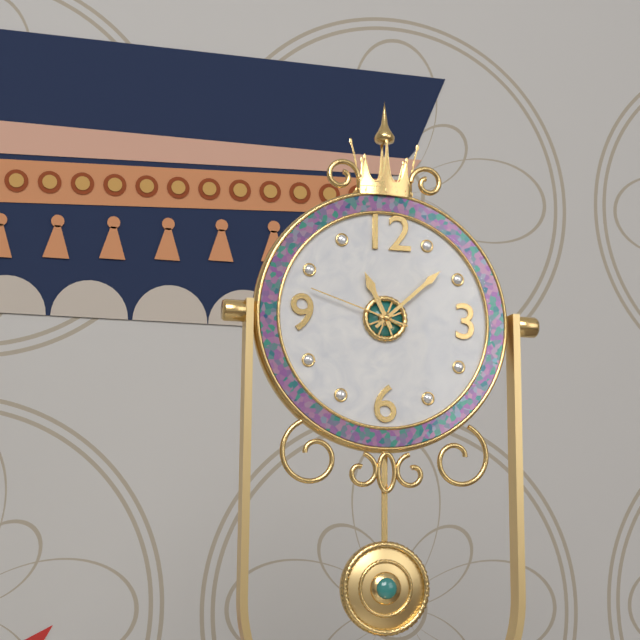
{"hour": 11, "minute": 8, "second": 48}
